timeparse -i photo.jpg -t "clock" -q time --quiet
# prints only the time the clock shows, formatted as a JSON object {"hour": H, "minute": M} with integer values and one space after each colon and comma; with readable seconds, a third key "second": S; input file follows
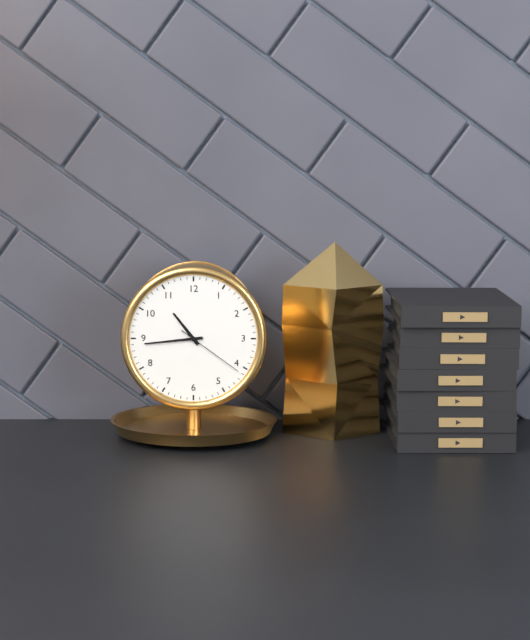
{"hour": 10, "minute": 44, "second": 21}
